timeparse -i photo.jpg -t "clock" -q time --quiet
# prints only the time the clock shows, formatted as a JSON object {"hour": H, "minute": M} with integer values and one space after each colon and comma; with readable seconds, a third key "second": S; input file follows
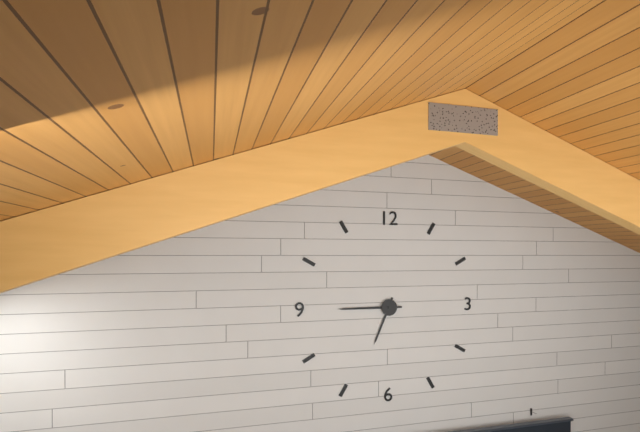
{"hour": 6, "minute": 45}
